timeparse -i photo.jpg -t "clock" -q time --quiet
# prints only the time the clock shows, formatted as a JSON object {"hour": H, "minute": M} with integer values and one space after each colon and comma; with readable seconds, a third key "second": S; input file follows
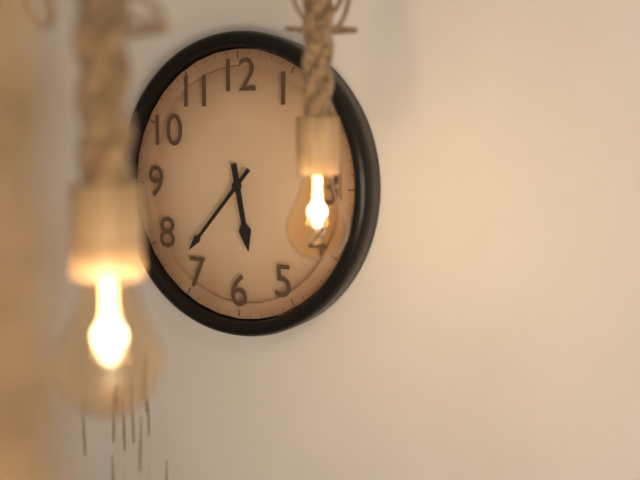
{"hour": 5, "minute": 37}
